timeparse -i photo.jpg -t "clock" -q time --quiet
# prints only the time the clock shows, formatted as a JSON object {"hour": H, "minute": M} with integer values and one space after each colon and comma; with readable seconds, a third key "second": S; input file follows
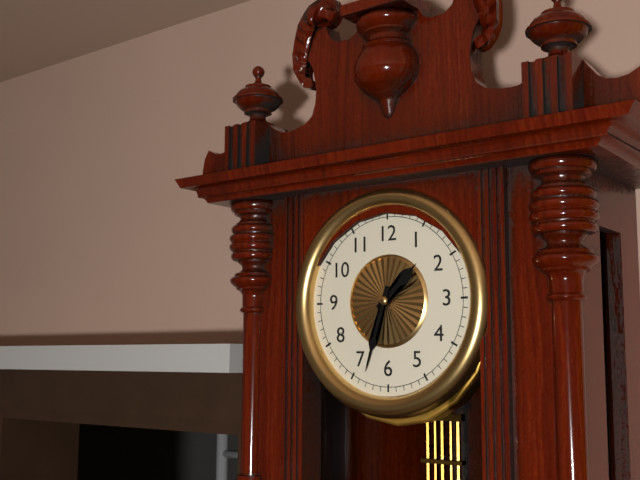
{"hour": 1, "minute": 33}
